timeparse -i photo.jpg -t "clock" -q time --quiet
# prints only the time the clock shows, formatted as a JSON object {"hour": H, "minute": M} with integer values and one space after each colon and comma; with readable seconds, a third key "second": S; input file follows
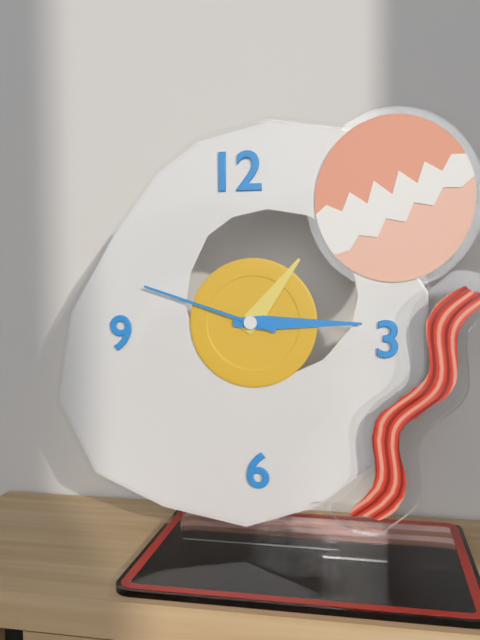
{"hour": 1, "minute": 15, "second": 48}
